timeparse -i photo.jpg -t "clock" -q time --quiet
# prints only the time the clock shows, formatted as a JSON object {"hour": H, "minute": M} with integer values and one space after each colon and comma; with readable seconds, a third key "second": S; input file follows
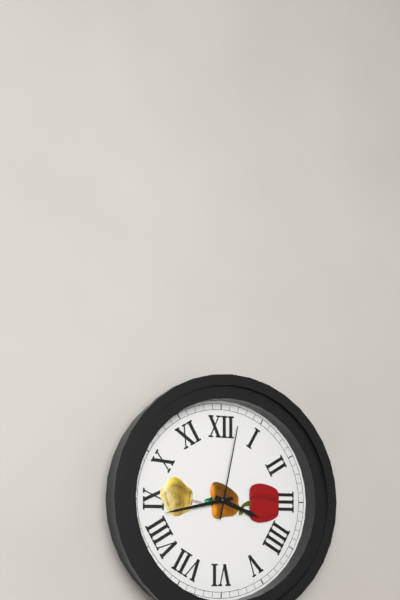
{"hour": 3, "minute": 43, "second": 2}
